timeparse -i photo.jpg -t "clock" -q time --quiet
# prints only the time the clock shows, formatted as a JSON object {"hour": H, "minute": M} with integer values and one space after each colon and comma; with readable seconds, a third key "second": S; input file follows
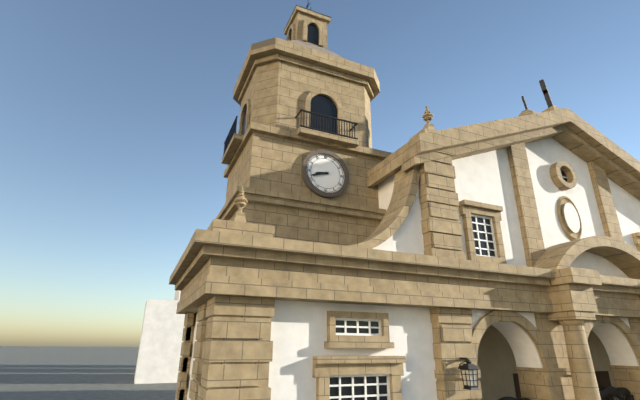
{"hour": 8, "minute": 42}
